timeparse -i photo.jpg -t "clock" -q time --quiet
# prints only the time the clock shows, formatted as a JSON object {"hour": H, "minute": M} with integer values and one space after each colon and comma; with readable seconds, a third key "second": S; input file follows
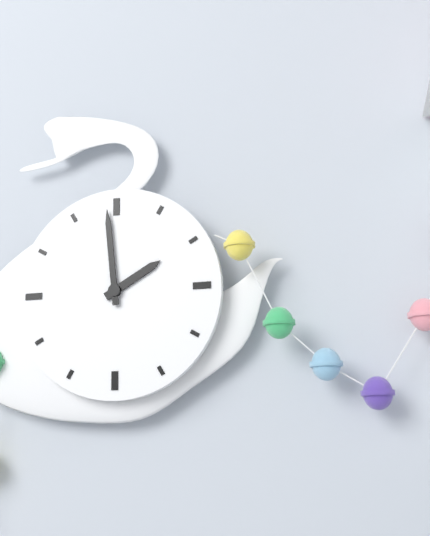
{"hour": 1, "minute": 59}
